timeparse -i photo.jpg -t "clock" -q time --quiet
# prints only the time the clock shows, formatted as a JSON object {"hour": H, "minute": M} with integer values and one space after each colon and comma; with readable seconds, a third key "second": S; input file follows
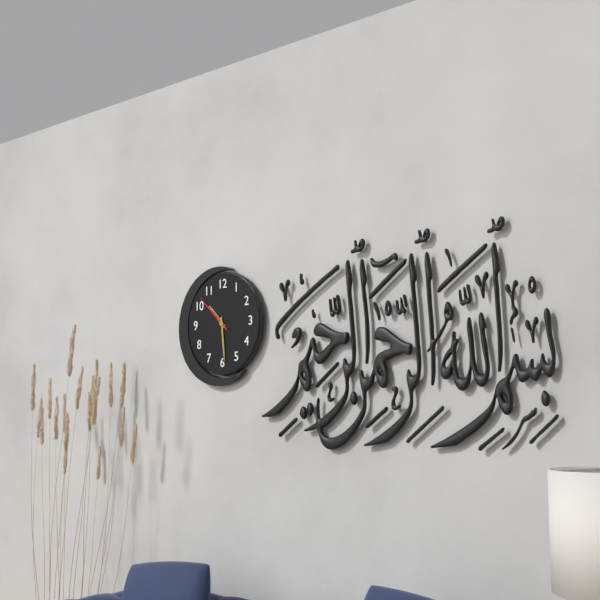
{"hour": 10, "minute": 29, "second": 52}
